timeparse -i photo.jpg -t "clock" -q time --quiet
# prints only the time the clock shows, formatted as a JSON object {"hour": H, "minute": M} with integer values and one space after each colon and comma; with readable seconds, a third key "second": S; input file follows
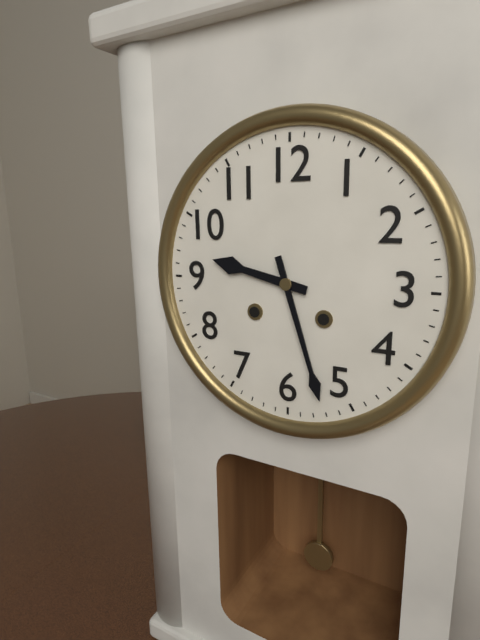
{"hour": 9, "minute": 27}
